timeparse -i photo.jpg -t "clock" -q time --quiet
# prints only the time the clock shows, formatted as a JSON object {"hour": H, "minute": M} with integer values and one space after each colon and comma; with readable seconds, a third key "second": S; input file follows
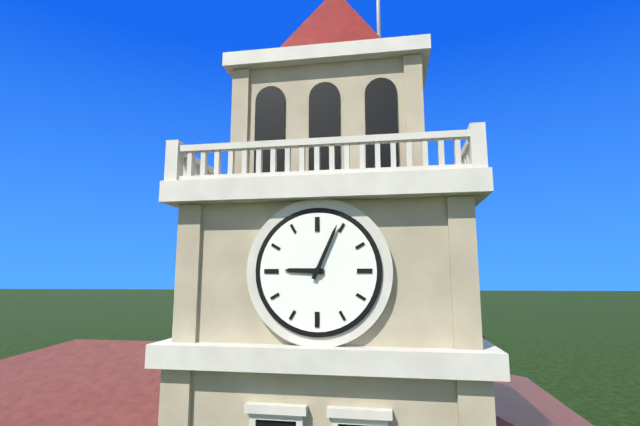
{"hour": 9, "minute": 4}
